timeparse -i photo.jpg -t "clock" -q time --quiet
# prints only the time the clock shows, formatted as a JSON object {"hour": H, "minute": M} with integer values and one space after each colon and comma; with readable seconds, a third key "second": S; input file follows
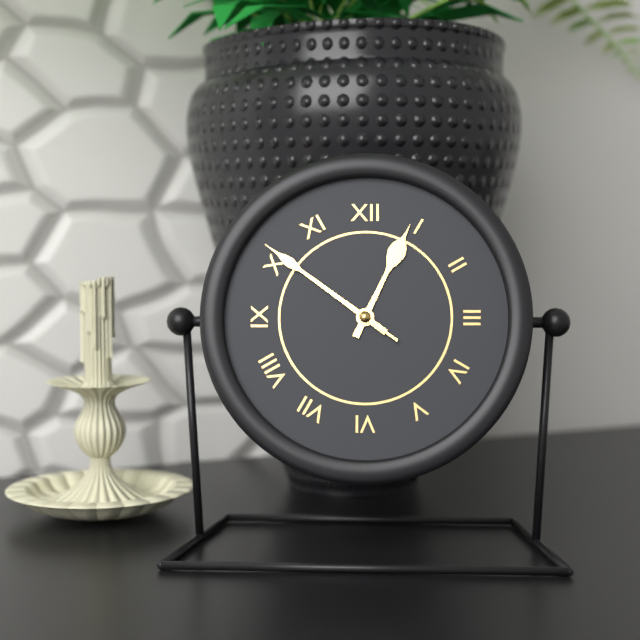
{"hour": 12, "minute": 51, "second": 51}
